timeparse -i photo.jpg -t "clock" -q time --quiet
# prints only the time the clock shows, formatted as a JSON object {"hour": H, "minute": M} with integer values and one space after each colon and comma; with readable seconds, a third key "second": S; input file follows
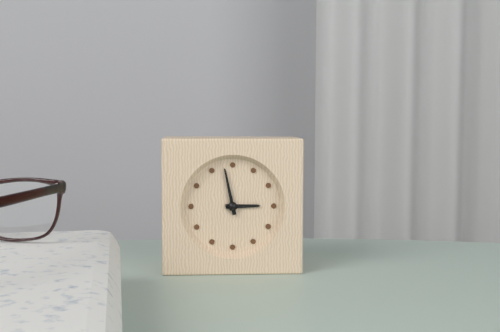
{"hour": 2, "minute": 58}
